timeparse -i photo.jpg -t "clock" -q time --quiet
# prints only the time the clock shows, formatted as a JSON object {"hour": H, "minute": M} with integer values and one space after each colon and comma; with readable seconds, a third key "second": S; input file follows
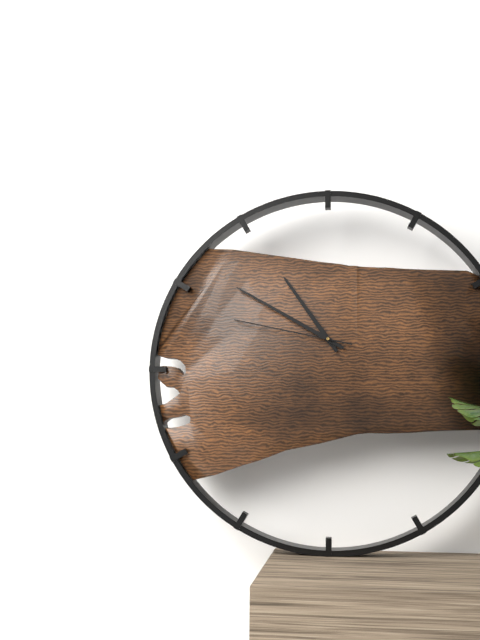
{"hour": 10, "minute": 50, "second": 47}
